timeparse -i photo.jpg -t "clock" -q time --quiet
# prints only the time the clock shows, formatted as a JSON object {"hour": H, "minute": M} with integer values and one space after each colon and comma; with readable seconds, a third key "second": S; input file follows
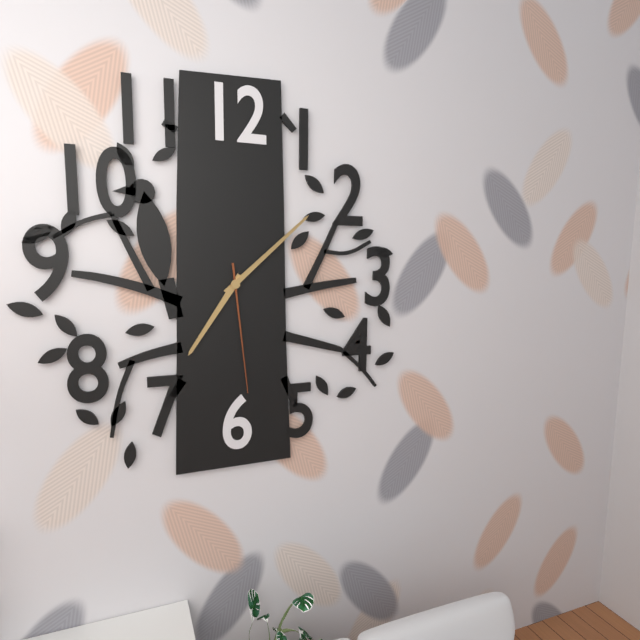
{"hour": 7, "minute": 8, "second": 29}
